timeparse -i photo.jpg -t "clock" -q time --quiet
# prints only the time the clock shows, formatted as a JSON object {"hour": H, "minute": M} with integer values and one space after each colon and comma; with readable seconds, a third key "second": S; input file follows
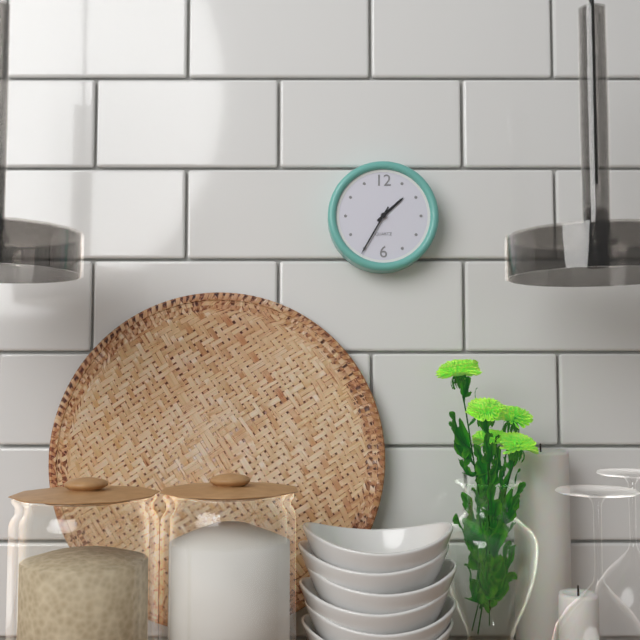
{"hour": 1, "minute": 35}
